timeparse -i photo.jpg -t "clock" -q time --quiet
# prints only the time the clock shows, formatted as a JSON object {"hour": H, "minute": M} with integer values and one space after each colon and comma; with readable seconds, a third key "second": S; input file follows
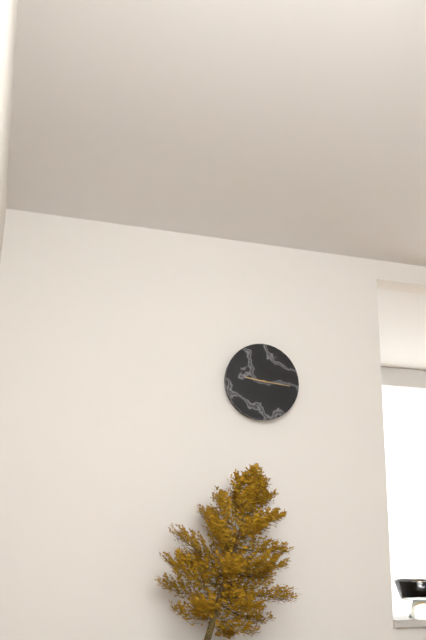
{"hour": 9, "minute": 16}
